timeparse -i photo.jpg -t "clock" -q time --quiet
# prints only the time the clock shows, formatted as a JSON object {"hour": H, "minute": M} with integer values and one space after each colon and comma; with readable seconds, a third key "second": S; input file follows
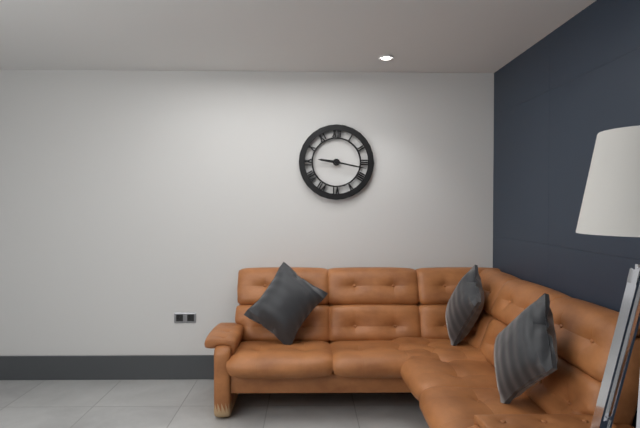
{"hour": 9, "minute": 17}
